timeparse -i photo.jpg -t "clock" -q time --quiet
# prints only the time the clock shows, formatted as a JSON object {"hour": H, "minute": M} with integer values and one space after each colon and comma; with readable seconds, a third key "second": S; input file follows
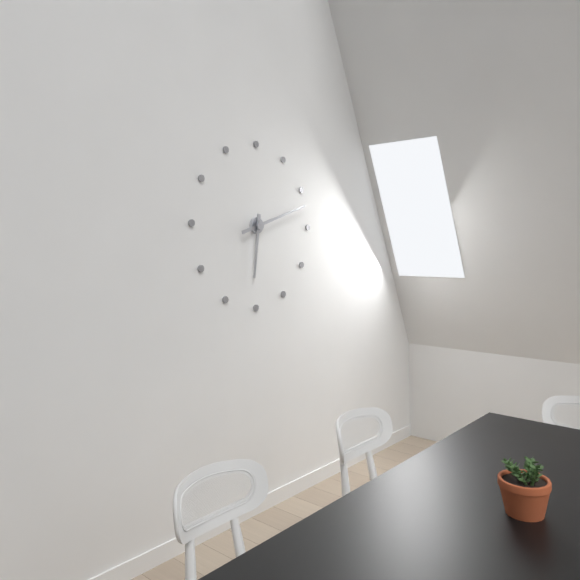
{"hour": 6, "minute": 12}
